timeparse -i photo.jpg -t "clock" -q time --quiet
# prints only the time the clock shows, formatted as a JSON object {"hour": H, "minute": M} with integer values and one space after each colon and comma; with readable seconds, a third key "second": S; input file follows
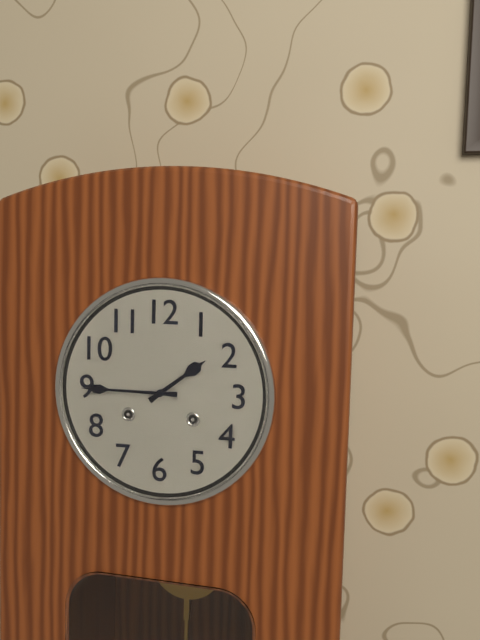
{"hour": 1, "minute": 45}
